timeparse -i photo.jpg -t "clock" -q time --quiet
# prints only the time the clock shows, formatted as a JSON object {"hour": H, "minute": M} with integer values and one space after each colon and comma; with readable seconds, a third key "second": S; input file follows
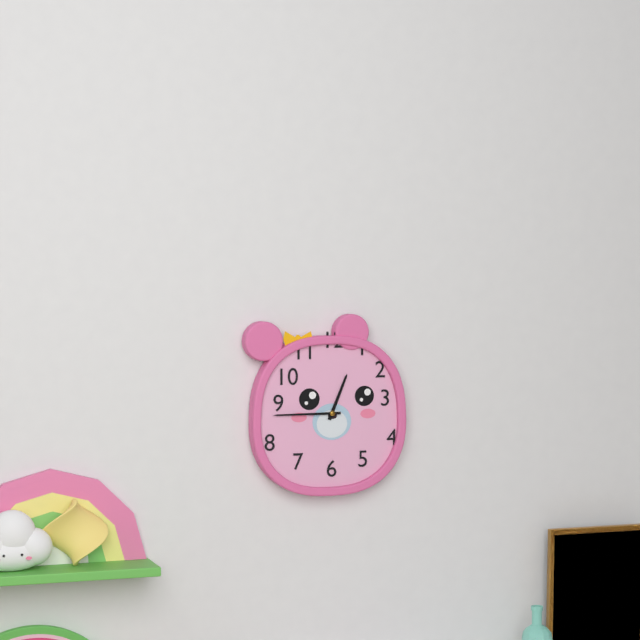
{"hour": 12, "minute": 45}
